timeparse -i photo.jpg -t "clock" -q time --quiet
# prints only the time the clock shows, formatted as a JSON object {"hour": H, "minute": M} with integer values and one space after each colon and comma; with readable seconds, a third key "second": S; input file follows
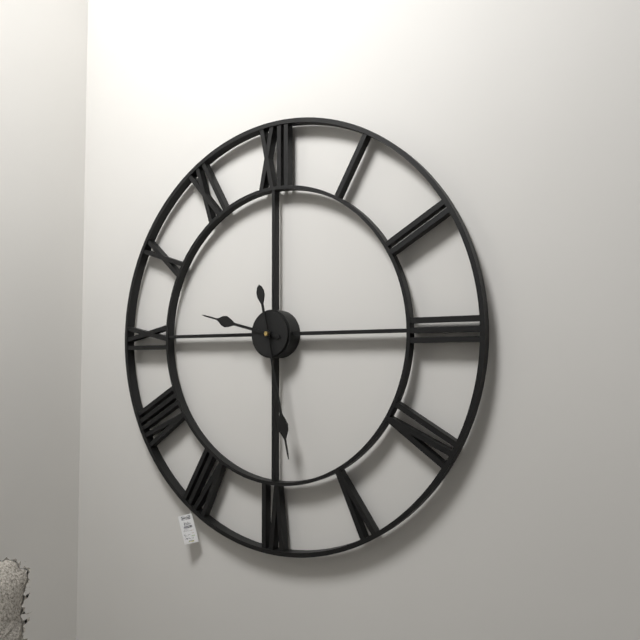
{"hour": 9, "minute": 28}
